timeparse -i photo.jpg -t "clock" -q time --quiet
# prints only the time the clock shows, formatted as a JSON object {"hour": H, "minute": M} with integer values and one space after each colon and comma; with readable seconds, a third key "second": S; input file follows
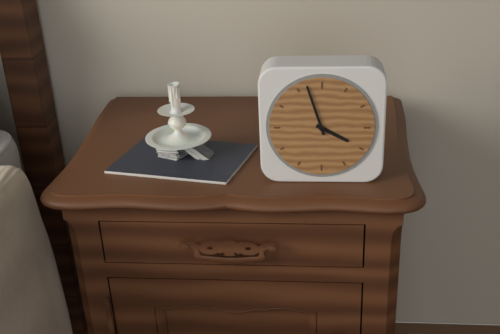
{"hour": 3, "minute": 57}
